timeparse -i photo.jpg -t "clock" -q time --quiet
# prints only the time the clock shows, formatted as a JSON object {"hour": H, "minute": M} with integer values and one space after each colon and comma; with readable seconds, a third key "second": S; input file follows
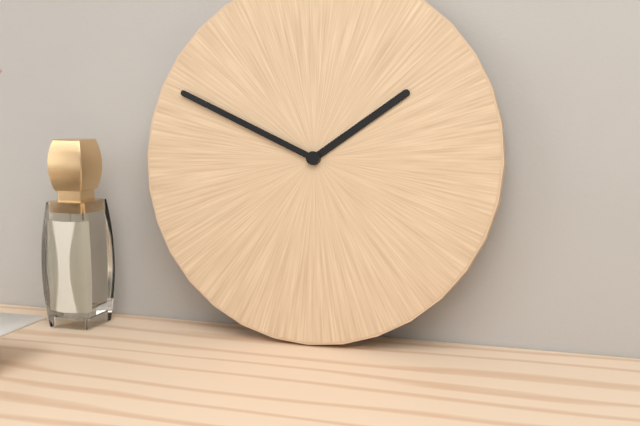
{"hour": 1, "minute": 49}
